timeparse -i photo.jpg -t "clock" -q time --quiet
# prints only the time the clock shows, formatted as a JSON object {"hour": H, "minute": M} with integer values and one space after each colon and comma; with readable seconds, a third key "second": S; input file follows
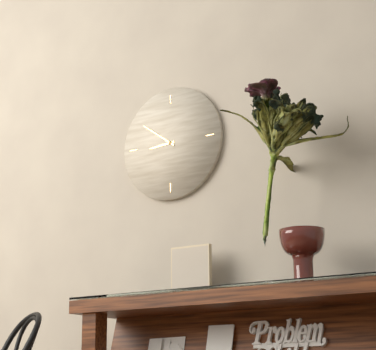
{"hour": 8, "minute": 51}
